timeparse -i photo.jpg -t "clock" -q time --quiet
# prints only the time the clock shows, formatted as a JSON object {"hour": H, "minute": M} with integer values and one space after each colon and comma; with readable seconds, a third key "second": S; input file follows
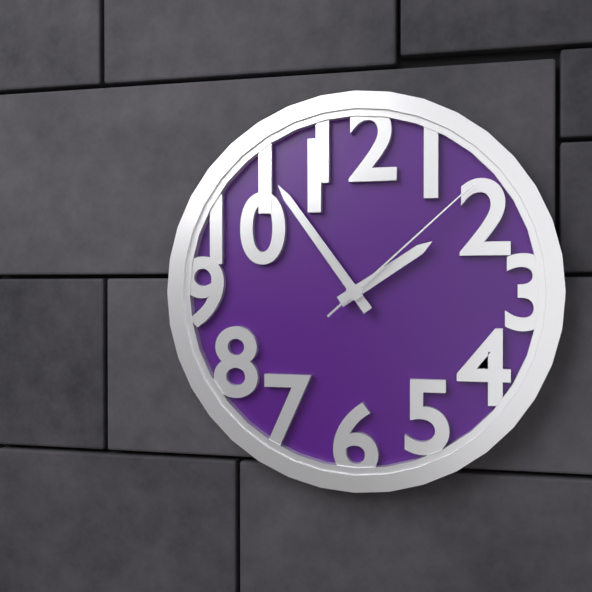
{"hour": 1, "minute": 54, "second": 8}
